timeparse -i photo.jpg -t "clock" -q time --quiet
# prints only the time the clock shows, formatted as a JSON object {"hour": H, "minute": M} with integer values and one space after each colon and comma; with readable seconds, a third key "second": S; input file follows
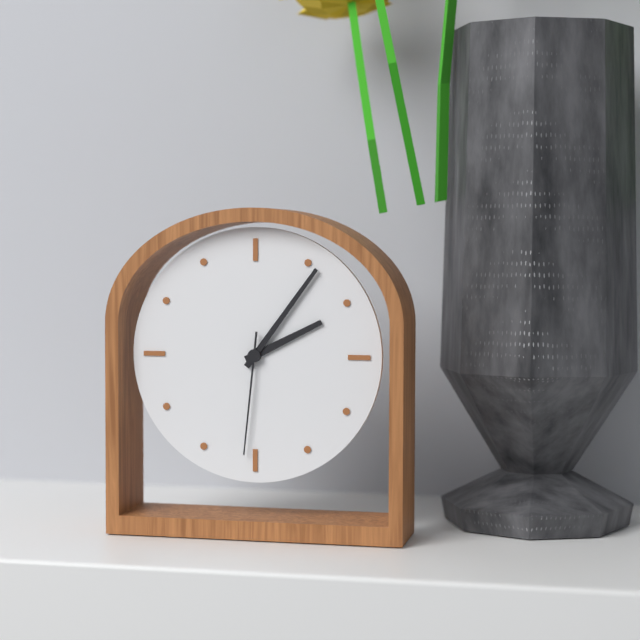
{"hour": 2, "minute": 6, "second": 31}
